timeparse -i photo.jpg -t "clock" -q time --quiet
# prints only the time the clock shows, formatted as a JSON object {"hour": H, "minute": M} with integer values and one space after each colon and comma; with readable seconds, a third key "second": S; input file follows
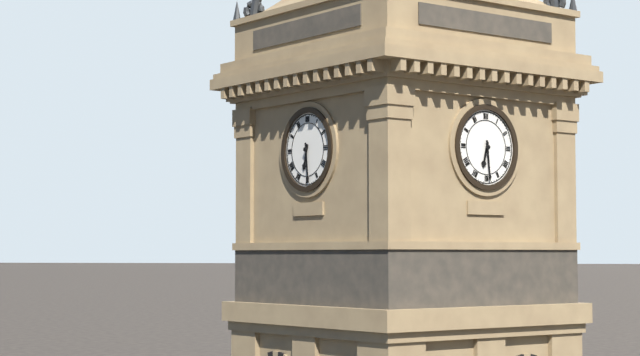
{"hour": 6, "minute": 29}
